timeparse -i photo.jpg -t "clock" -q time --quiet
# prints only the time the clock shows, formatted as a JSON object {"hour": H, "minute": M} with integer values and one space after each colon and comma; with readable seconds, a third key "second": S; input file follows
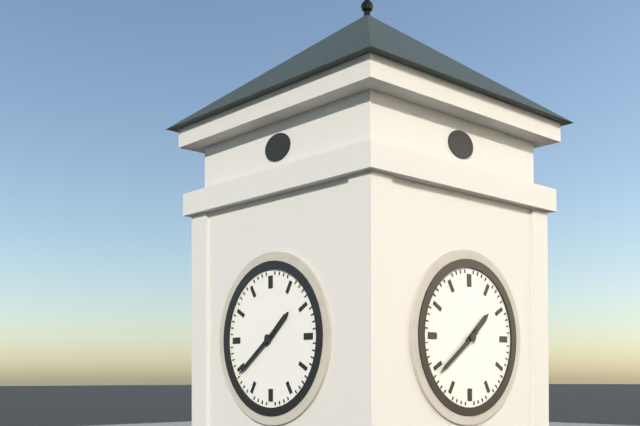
{"hour": 1, "minute": 39}
